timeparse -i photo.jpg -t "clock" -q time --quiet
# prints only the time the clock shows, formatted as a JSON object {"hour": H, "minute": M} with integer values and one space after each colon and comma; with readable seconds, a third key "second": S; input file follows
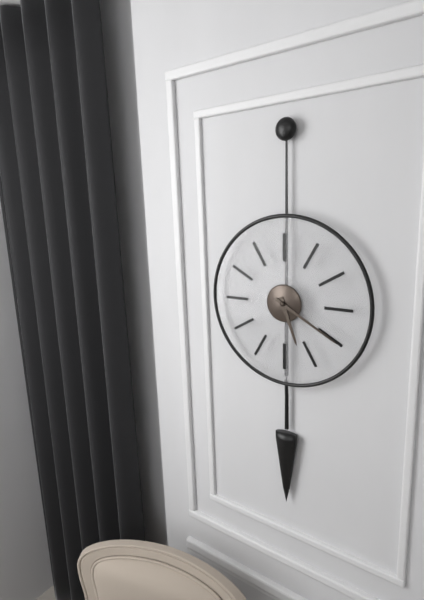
{"hour": 5, "minute": 20}
